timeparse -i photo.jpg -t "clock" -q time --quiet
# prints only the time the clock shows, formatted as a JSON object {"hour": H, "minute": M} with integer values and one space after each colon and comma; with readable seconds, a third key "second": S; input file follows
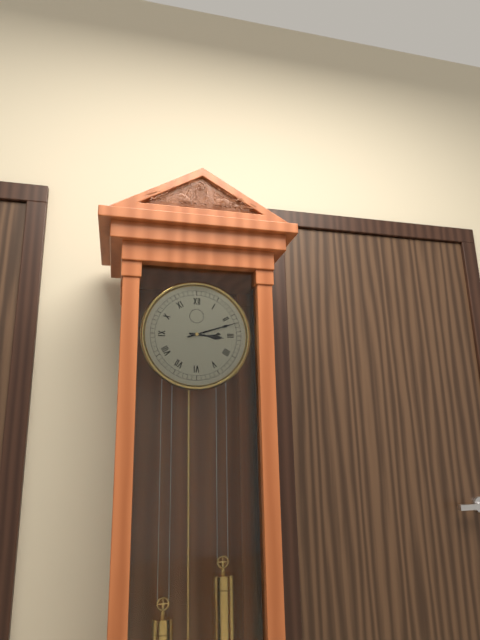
{"hour": 3, "minute": 12}
